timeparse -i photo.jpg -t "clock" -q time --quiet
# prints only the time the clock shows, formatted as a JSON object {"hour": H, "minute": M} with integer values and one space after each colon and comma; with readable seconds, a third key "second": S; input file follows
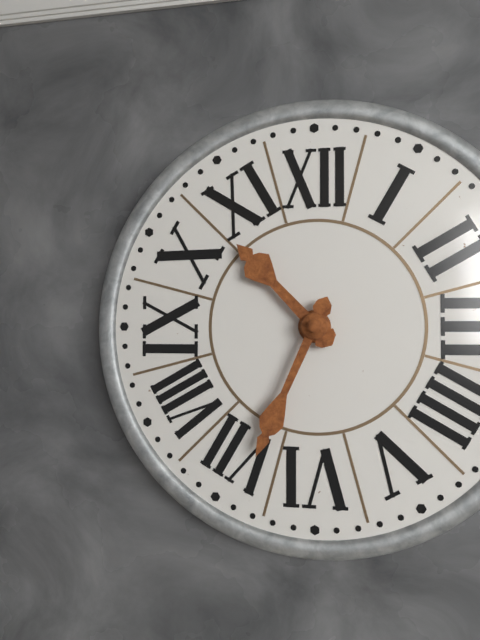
{"hour": 10, "minute": 34}
